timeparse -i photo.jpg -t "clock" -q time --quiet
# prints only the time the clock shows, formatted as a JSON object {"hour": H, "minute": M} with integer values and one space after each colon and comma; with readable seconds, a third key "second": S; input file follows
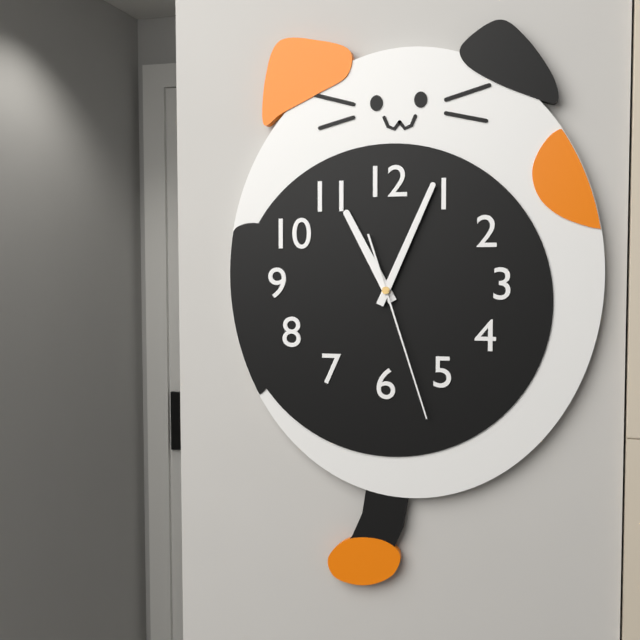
{"hour": 11, "minute": 4, "second": 27}
